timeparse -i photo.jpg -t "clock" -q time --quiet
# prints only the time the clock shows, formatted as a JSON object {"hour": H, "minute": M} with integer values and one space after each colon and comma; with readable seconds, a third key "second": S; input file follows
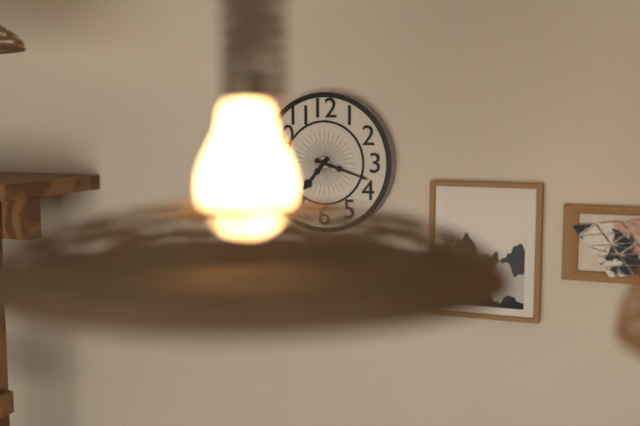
{"hour": 7, "minute": 18}
